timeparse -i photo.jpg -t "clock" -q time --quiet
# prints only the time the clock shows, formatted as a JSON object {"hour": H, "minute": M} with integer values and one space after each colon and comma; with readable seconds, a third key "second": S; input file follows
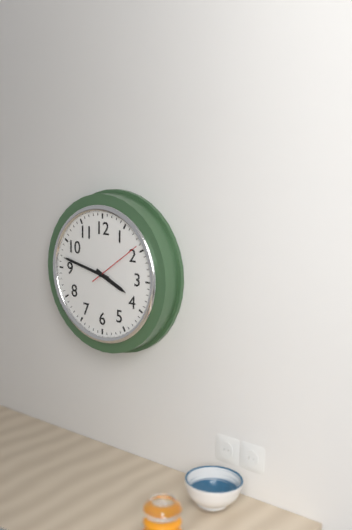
{"hour": 3, "minute": 47, "second": 9}
